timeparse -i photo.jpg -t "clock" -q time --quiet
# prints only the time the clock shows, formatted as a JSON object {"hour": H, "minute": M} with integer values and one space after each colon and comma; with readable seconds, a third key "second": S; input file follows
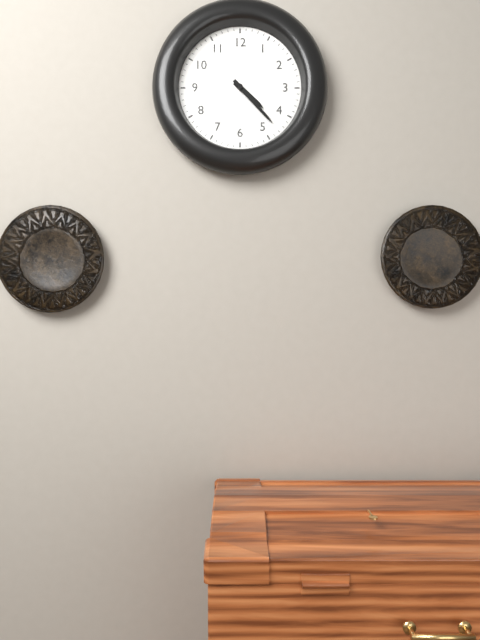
{"hour": 4, "minute": 23}
